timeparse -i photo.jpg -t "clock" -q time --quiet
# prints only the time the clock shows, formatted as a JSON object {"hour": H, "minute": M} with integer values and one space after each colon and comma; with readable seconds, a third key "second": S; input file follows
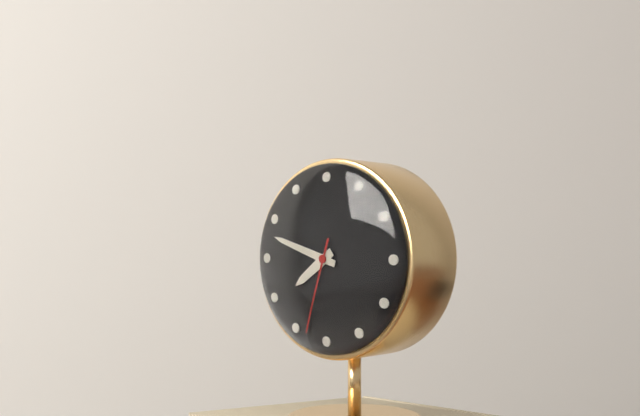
{"hour": 7, "minute": 48, "second": 33}
